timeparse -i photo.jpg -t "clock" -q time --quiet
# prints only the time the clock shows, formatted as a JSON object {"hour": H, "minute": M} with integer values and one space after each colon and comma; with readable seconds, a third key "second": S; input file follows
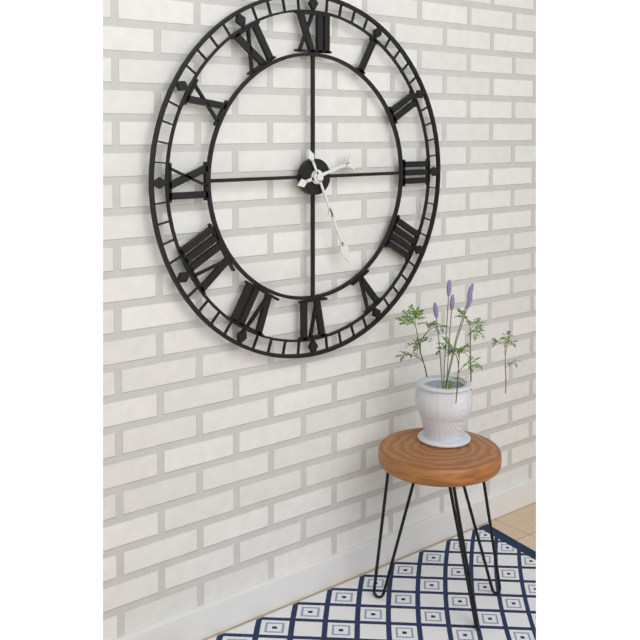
{"hour": 2, "minute": 26}
